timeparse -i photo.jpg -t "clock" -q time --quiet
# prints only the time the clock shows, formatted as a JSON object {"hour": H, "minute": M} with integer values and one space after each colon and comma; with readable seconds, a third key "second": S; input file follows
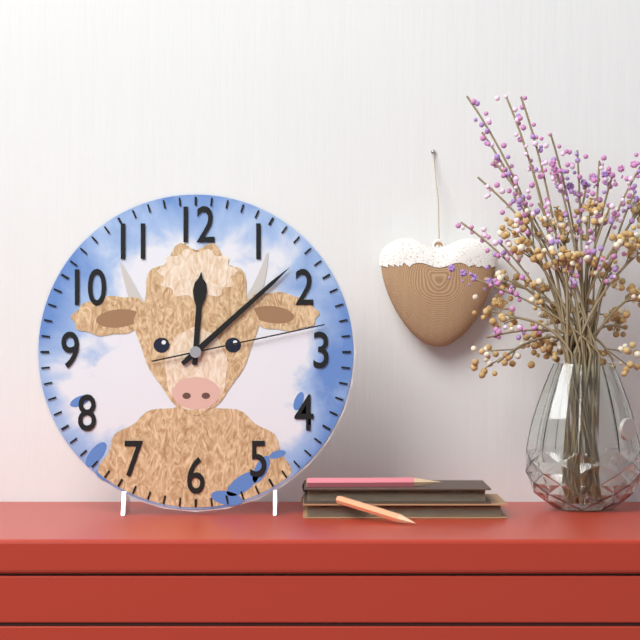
{"hour": 12, "minute": 8, "second": 13}
